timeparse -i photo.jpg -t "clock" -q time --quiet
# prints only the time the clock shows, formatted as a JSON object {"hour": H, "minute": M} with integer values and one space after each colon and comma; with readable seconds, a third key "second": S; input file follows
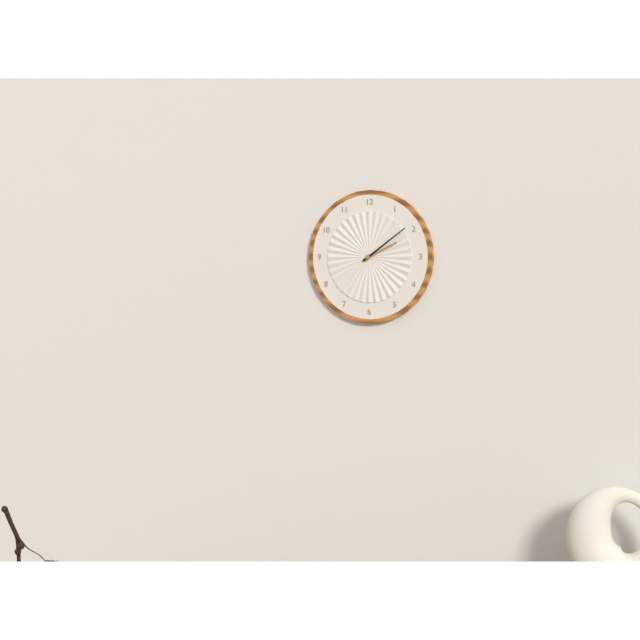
{"hour": 2, "minute": 9}
